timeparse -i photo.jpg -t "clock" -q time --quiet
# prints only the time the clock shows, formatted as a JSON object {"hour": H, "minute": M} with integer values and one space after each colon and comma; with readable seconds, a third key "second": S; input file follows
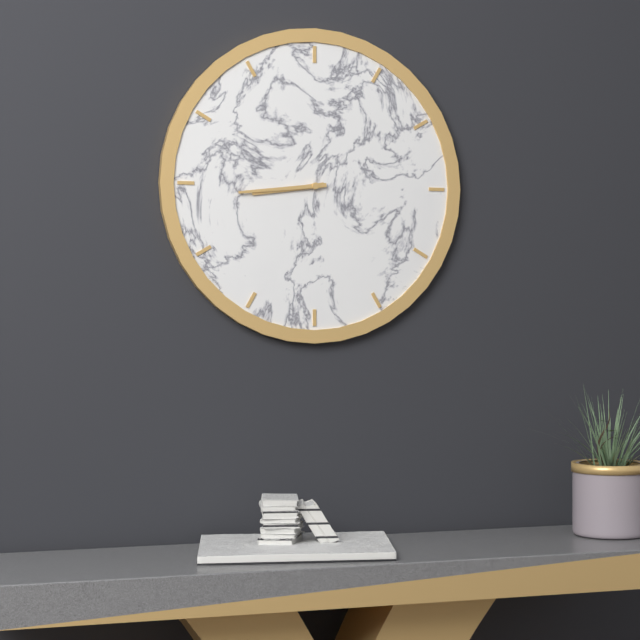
{"hour": 8, "minute": 44}
